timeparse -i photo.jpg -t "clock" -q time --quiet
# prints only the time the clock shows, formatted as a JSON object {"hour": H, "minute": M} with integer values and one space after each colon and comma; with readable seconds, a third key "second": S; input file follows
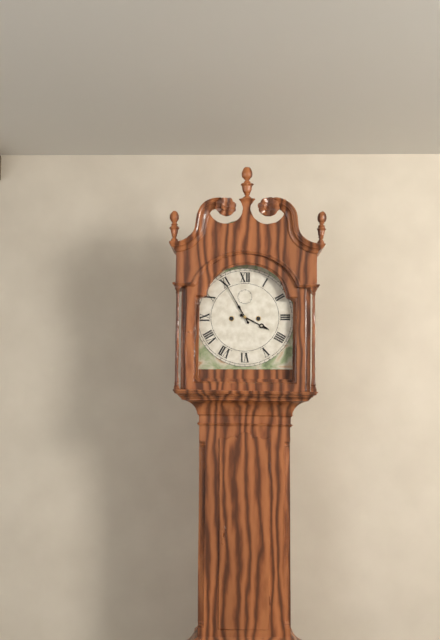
{"hour": 3, "minute": 55}
